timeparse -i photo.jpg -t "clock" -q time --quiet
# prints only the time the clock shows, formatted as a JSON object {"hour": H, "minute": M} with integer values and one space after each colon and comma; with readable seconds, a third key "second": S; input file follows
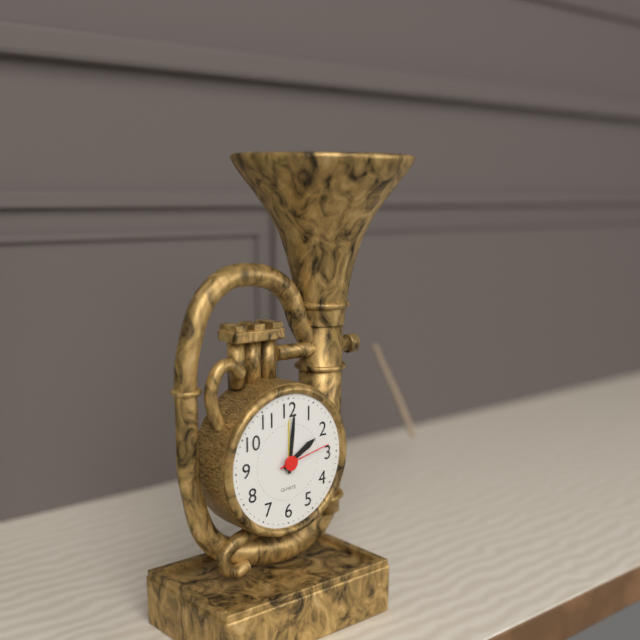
{"hour": 2, "minute": 1, "second": 13}
